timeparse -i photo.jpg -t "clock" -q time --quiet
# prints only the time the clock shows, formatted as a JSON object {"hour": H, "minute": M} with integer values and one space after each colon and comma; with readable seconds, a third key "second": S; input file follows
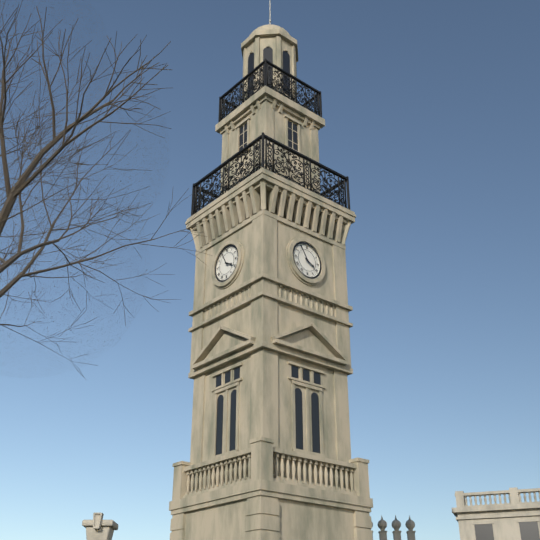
{"hour": 3, "minute": 55}
